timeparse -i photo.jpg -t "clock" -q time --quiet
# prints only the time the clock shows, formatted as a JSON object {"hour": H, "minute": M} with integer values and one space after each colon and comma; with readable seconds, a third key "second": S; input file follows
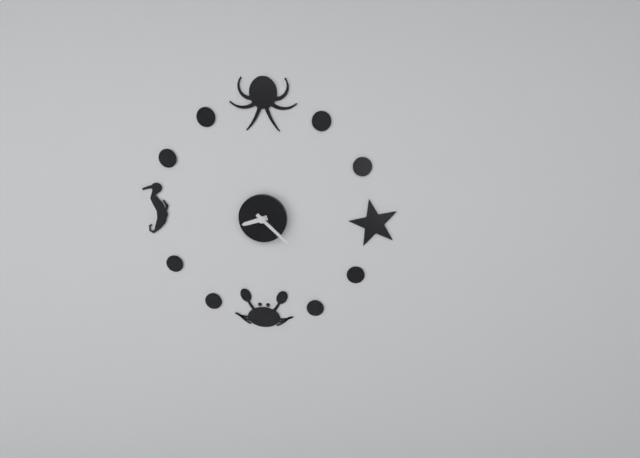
{"hour": 8, "minute": 22}
